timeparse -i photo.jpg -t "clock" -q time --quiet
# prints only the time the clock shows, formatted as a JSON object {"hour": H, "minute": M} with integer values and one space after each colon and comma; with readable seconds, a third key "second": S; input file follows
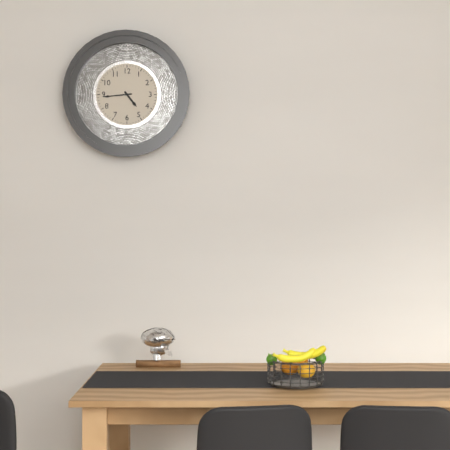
{"hour": 4, "minute": 44}
